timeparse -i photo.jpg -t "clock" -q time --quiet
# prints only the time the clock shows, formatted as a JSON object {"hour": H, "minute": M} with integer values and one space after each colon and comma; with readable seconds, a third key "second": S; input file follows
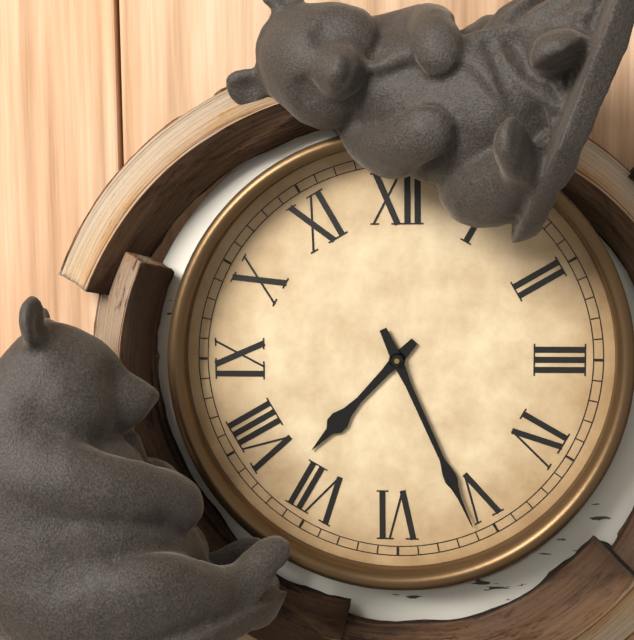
{"hour": 7, "minute": 26}
